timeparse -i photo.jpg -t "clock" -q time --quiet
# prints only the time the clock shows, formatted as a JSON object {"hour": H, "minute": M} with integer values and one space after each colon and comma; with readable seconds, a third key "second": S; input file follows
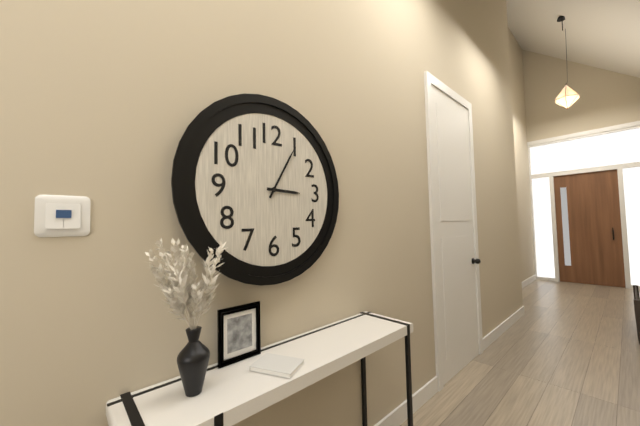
{"hour": 3, "minute": 5}
